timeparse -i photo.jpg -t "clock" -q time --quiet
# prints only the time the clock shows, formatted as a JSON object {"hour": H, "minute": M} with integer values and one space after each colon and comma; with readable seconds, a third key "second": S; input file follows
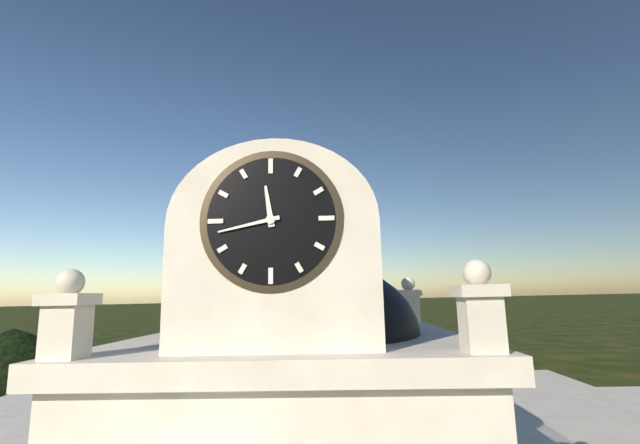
{"hour": 11, "minute": 43}
